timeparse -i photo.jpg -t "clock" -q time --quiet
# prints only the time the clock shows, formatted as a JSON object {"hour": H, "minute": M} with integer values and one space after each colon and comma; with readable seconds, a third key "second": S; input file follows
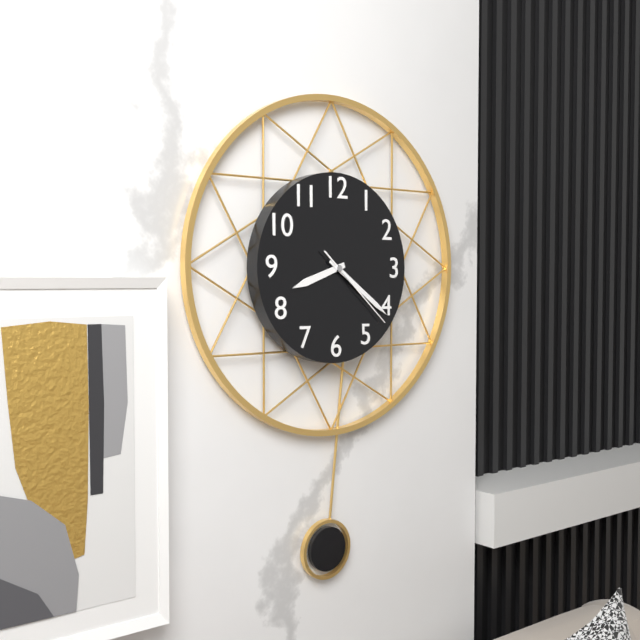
{"hour": 8, "minute": 21, "second": 22}
